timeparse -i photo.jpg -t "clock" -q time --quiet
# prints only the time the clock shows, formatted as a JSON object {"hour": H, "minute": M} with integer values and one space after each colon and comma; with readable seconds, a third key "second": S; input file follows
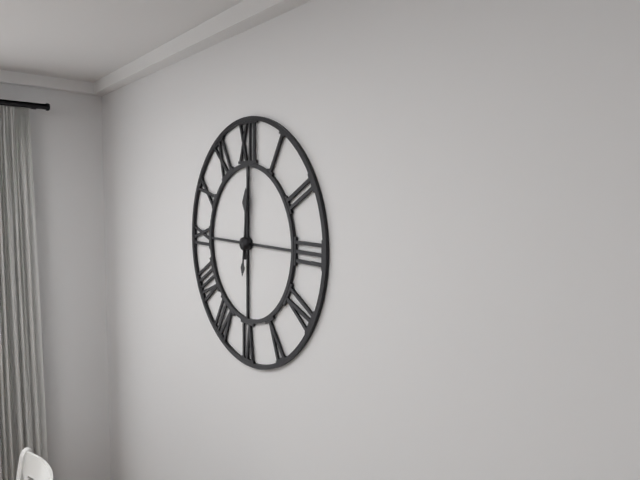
{"hour": 12, "minute": 1}
